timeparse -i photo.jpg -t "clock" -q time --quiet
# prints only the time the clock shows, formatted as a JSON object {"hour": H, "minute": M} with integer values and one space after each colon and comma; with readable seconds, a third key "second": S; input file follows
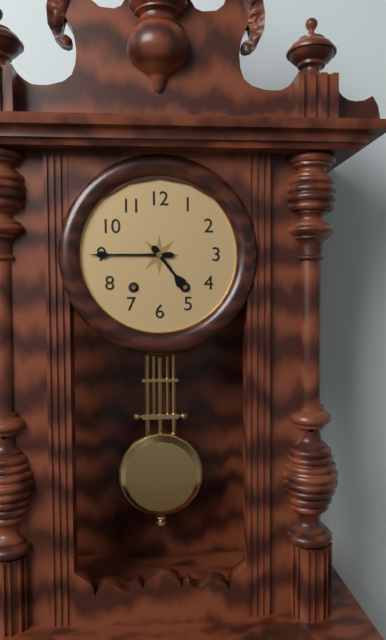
{"hour": 4, "minute": 45}
